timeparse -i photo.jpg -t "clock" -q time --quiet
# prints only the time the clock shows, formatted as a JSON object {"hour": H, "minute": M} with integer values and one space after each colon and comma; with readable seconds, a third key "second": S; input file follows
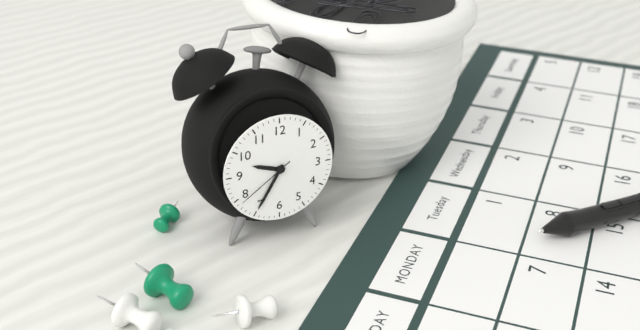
{"hour": 9, "minute": 35, "second": 39}
